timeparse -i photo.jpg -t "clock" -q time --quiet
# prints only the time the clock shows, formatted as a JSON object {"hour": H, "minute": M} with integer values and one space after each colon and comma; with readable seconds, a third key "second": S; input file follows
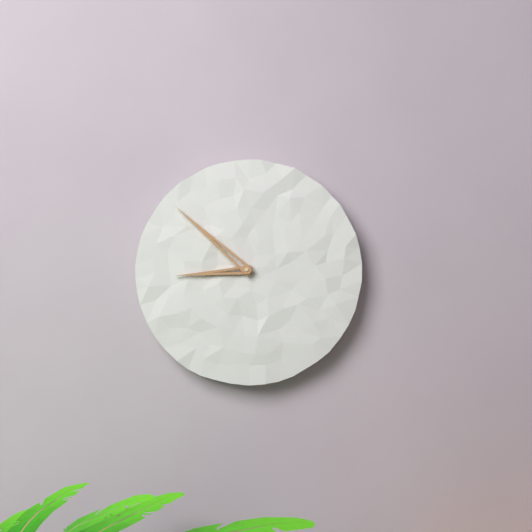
{"hour": 8, "minute": 52}
